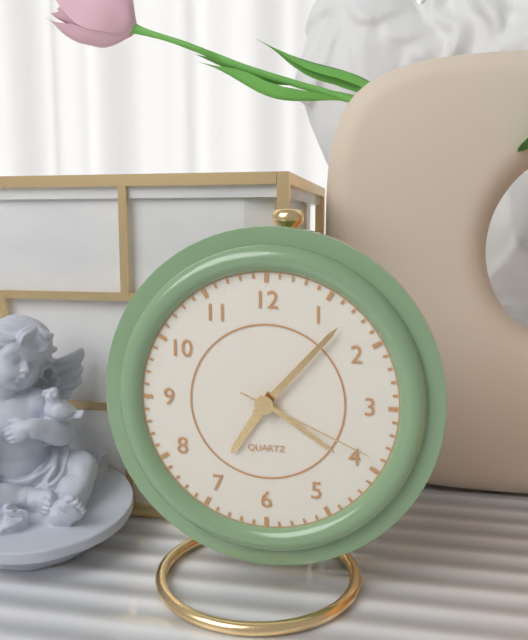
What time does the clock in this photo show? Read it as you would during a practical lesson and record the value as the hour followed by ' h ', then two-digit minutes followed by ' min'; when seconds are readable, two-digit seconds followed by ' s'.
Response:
7 h 07 min 19 s
